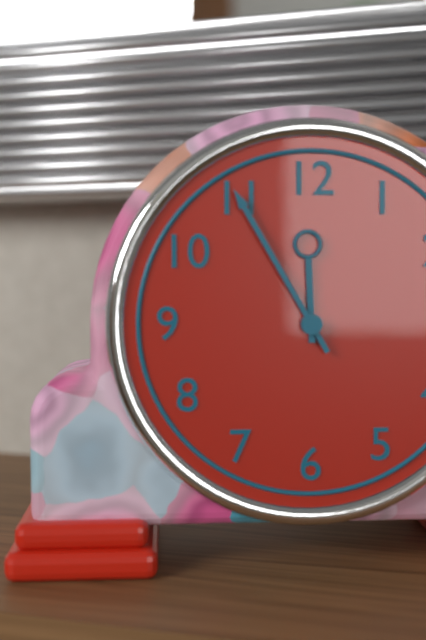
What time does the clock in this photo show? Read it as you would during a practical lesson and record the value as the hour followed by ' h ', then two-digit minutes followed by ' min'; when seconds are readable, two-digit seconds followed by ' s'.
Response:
11 h 55 min
